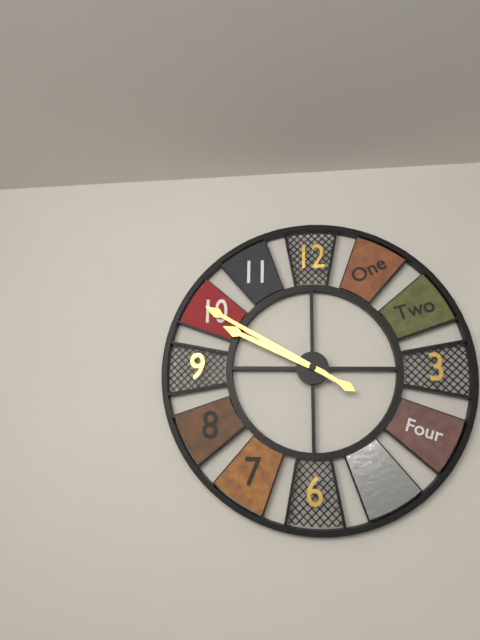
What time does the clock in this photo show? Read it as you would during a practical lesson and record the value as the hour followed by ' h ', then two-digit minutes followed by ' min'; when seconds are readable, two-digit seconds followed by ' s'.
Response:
9 h 50 min
